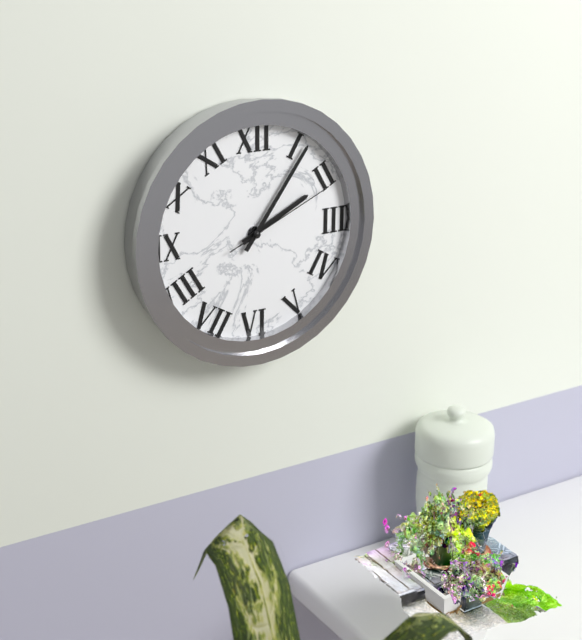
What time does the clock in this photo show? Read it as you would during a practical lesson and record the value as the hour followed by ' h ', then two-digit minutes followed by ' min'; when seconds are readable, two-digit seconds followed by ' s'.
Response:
2 h 06 min 11 s
